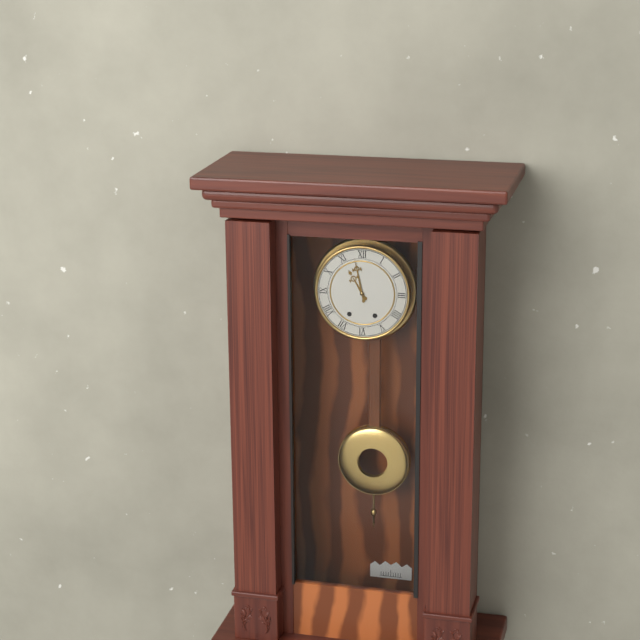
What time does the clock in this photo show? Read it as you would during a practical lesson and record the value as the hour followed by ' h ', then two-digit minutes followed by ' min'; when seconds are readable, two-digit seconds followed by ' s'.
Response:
10 h 58 min
